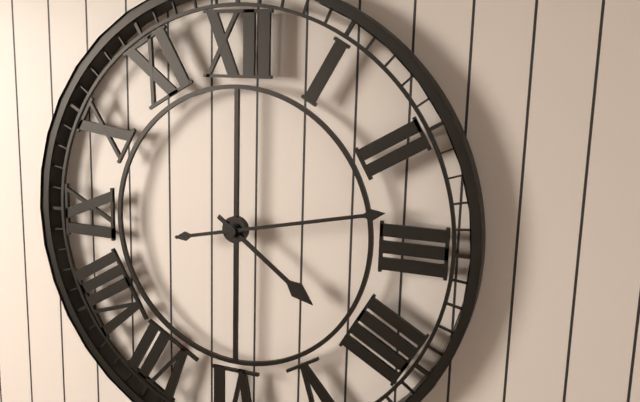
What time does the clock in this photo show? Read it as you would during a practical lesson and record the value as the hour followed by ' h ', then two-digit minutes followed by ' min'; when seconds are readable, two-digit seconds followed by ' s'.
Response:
4 h 13 min
